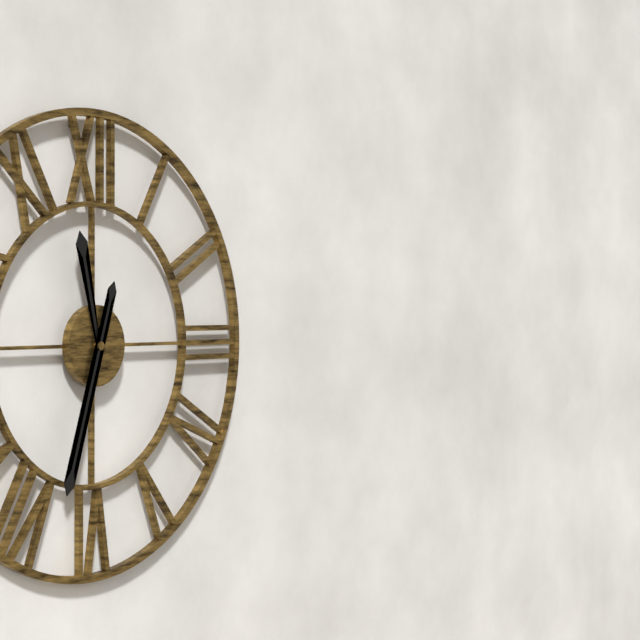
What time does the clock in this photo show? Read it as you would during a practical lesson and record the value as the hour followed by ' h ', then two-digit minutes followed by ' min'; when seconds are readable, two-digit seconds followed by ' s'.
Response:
11 h 33 min
